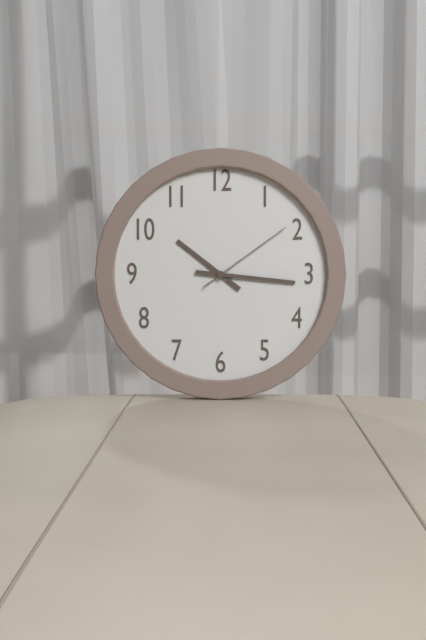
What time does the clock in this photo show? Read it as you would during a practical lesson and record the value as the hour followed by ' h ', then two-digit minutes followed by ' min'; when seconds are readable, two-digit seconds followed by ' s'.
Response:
10 h 16 min 09 s
